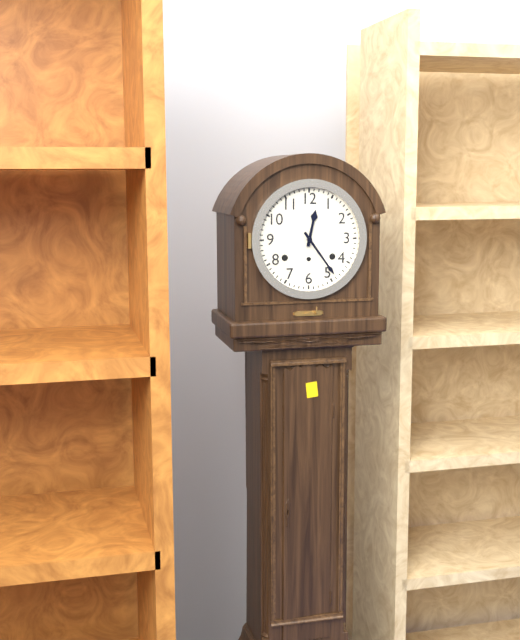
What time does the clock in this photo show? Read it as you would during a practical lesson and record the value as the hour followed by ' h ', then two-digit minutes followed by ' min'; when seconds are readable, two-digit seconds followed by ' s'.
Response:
12 h 24 min
